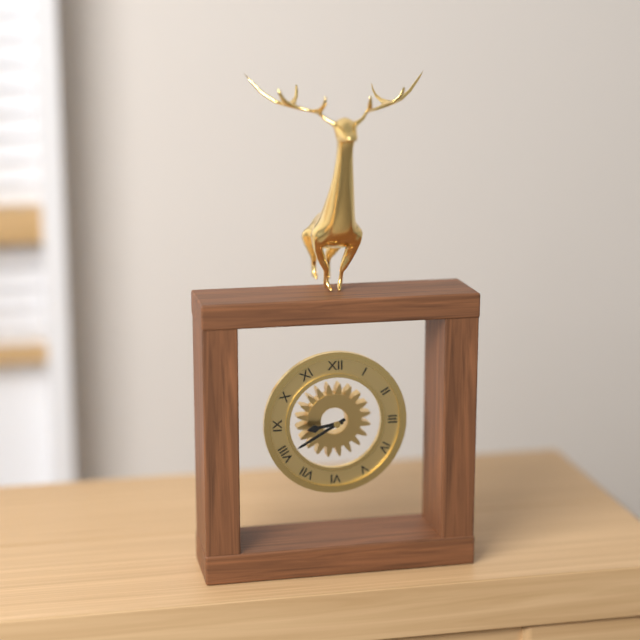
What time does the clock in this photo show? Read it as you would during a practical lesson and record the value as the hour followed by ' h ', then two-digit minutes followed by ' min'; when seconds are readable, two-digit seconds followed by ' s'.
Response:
8 h 40 min
